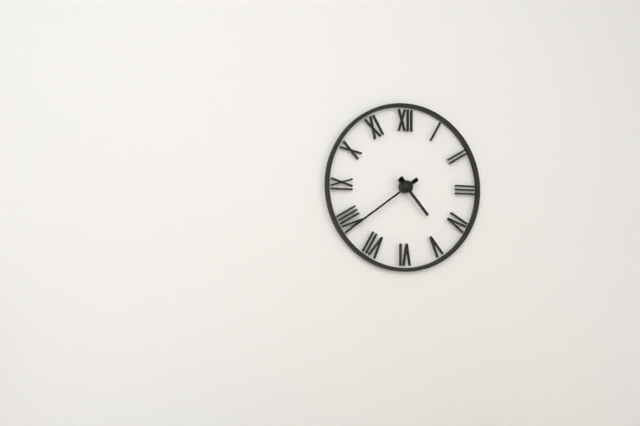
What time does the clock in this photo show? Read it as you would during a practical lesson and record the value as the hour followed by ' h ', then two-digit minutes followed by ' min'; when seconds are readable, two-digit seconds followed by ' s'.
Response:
4 h 39 min
